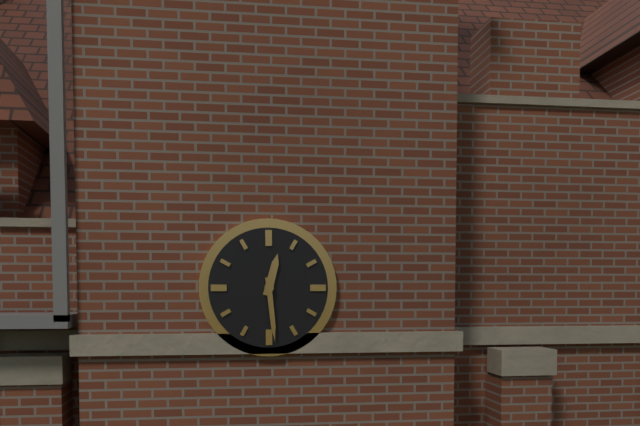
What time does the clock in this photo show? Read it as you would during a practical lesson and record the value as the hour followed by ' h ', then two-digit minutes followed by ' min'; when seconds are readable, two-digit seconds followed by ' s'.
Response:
12 h 29 min
